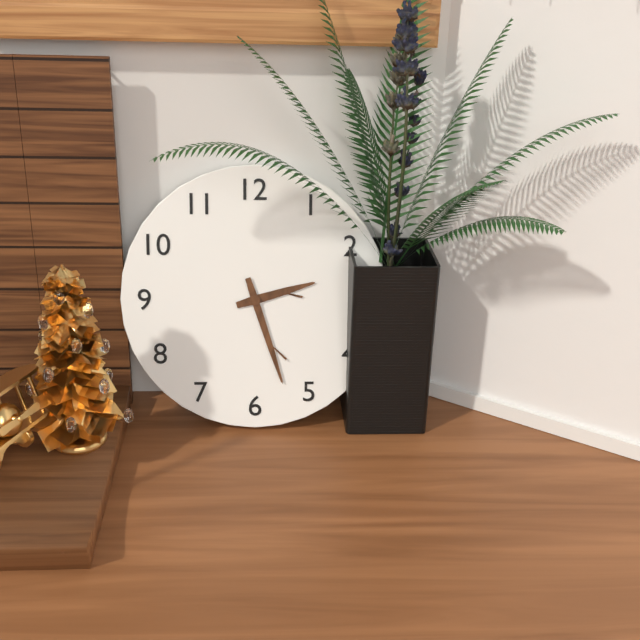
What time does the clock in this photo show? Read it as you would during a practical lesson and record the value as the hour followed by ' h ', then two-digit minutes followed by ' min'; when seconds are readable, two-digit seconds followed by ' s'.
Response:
2 h 27 min
